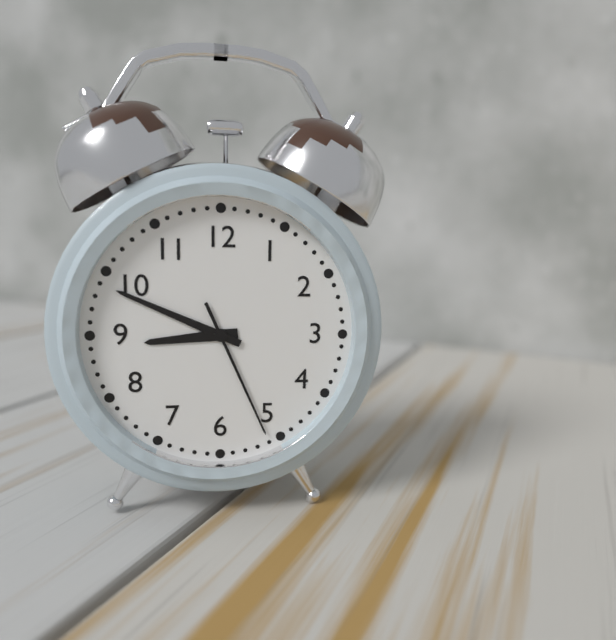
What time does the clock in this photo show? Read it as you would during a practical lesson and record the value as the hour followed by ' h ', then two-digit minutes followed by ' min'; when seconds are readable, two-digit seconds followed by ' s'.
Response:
8 h 49 min 26 s
